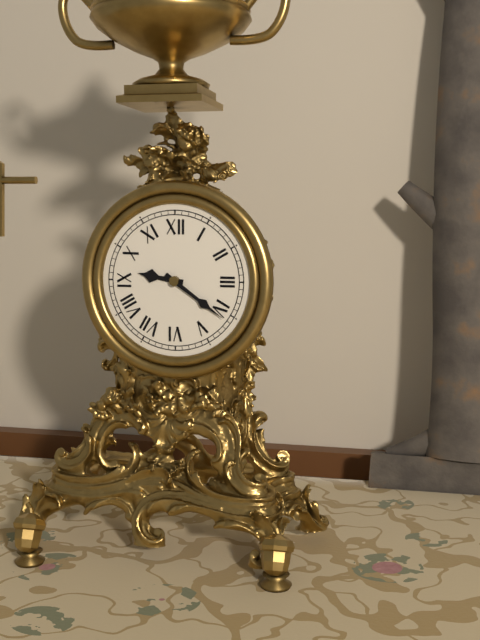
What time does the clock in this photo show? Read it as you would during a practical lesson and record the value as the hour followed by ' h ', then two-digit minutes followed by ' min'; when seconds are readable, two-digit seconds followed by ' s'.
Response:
9 h 21 min
